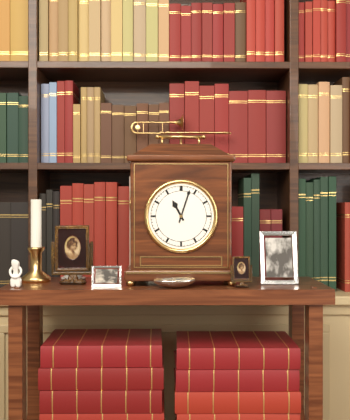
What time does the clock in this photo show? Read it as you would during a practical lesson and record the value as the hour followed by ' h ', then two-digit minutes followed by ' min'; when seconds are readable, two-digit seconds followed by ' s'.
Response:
11 h 03 min
